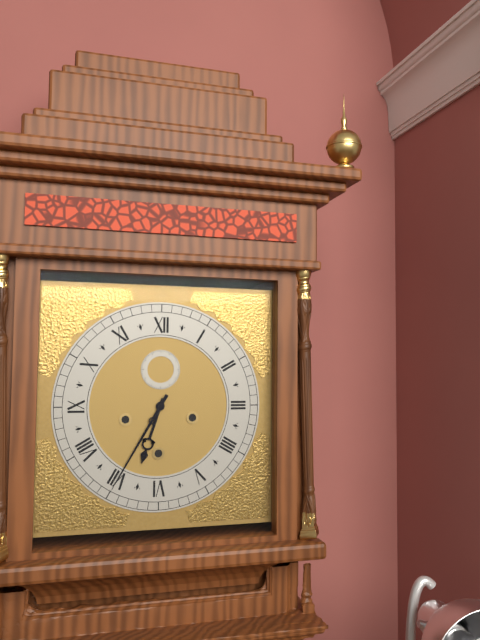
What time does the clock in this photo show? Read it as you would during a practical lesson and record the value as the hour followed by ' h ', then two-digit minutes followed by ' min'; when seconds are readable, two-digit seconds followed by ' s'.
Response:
6 h 35 min
